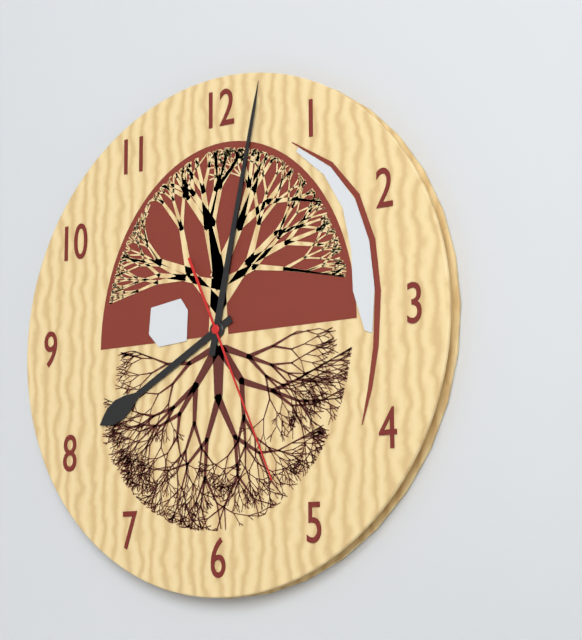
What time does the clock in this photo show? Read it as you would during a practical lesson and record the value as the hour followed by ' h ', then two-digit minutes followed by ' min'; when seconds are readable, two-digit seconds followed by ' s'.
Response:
8 h 02 min 26 s
